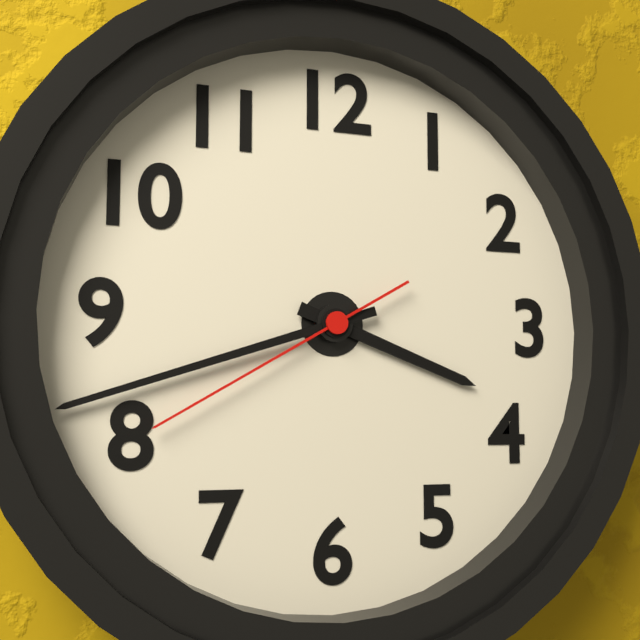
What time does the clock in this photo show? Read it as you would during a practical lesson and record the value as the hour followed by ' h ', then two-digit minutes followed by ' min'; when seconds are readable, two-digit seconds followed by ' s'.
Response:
3 h 42 min 40 s
